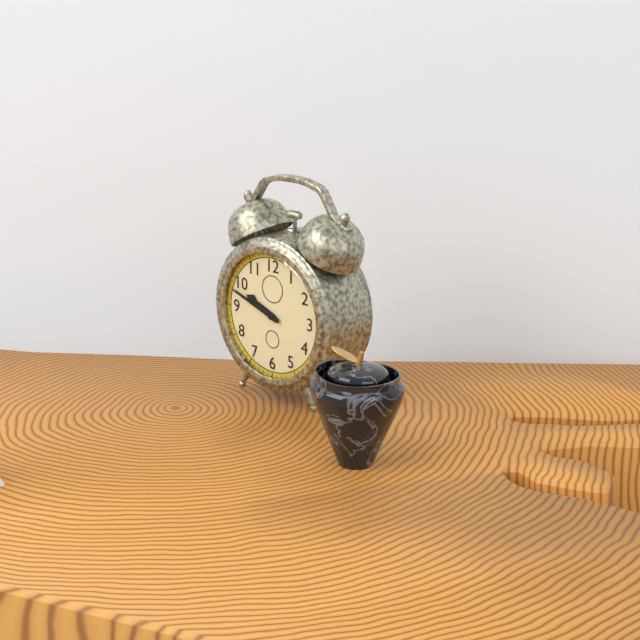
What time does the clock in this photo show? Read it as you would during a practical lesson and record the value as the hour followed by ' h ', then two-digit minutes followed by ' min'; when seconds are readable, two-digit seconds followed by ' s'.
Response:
9 h 48 min
